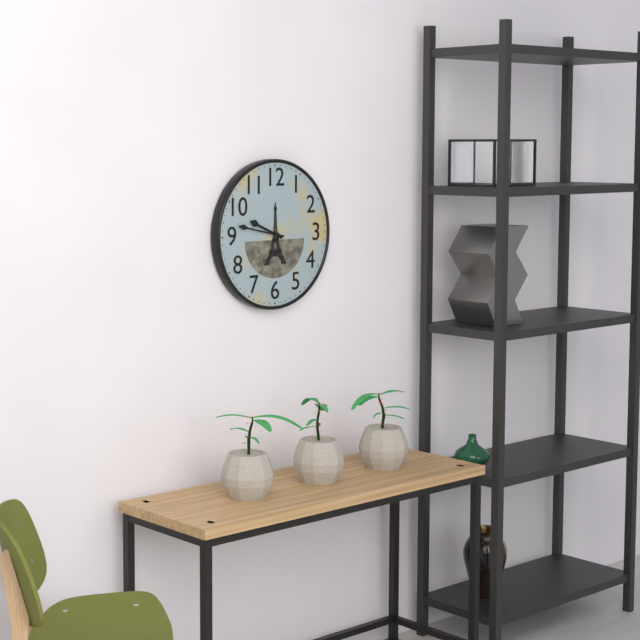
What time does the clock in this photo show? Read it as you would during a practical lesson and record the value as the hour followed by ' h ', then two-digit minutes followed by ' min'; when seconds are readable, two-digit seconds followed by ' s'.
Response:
9 h 47 min
